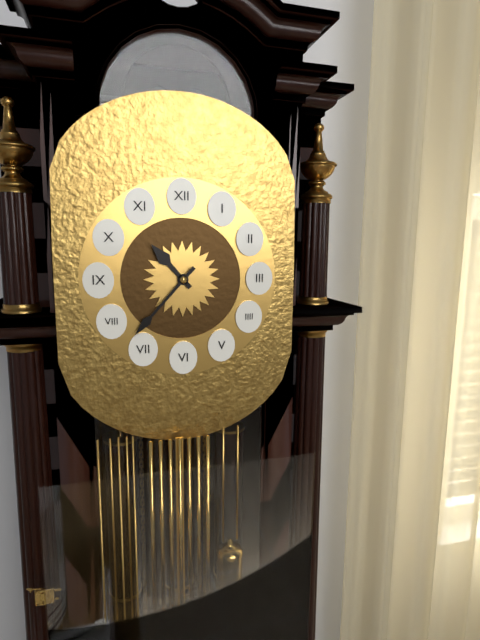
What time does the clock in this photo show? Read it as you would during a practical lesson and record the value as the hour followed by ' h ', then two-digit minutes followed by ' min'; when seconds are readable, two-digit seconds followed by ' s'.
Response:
10 h 37 min
